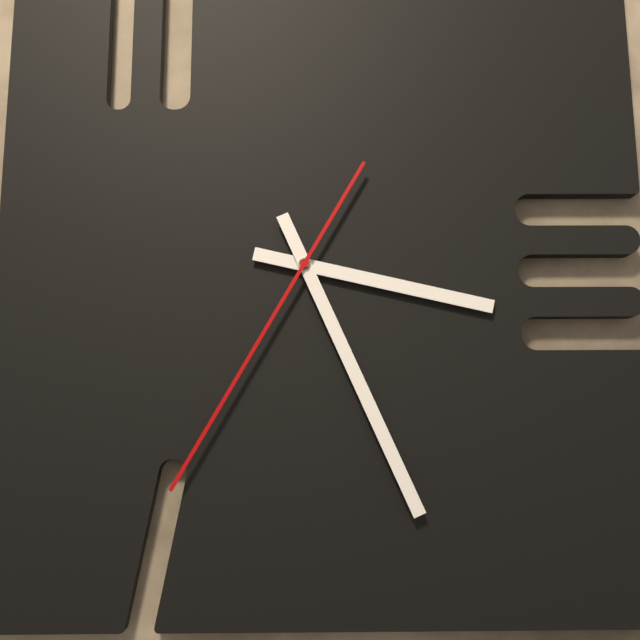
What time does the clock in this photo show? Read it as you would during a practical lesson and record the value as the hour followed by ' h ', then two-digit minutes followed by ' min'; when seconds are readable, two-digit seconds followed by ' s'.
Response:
3 h 26 min 35 s
